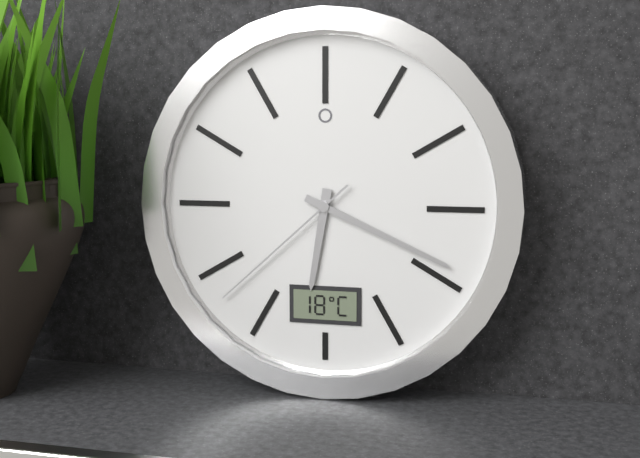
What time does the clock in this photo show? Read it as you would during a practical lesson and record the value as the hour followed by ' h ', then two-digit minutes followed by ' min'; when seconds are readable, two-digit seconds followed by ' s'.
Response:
6 h 19 min 38 s
